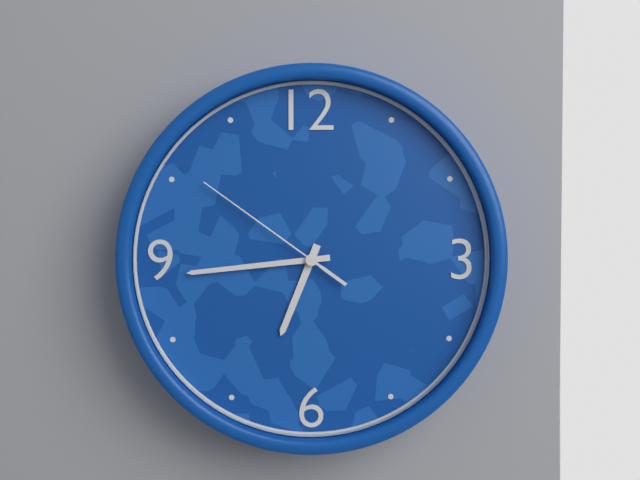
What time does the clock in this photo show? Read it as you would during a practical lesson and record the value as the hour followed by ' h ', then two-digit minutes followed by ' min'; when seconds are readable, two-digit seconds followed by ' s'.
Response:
6 h 44 min 51 s
